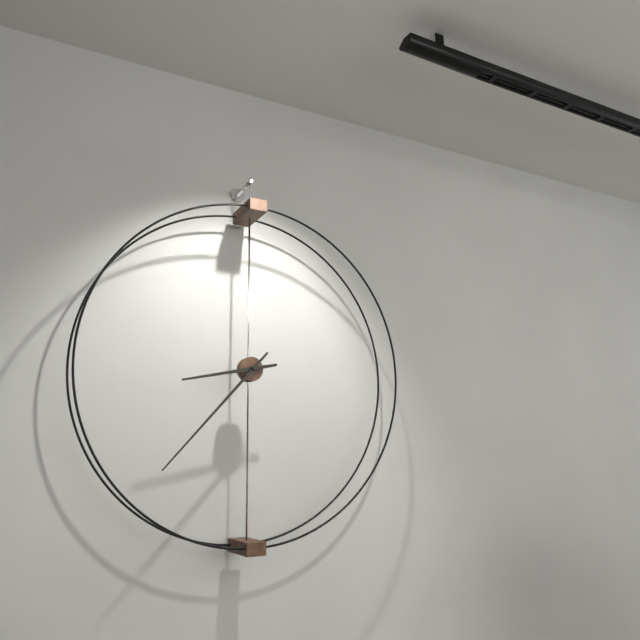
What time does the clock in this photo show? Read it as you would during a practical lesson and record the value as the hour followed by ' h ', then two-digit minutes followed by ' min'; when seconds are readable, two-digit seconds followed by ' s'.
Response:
8 h 37 min
